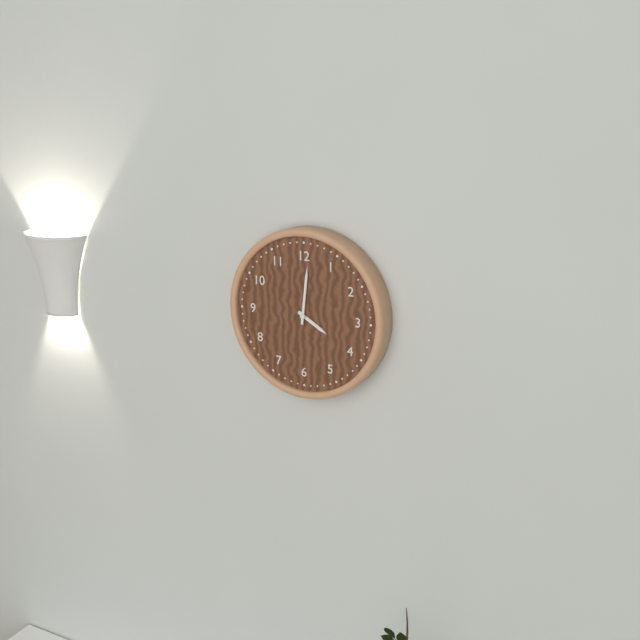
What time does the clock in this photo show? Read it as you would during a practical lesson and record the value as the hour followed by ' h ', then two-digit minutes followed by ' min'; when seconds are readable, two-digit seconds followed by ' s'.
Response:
4 h 01 min
